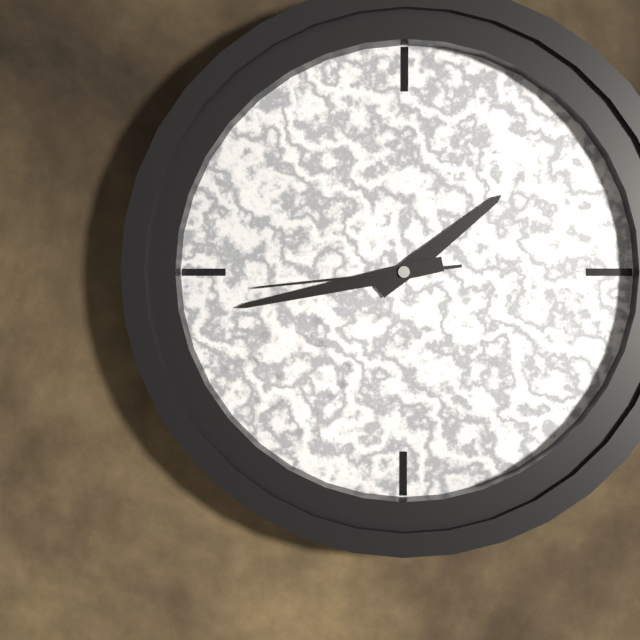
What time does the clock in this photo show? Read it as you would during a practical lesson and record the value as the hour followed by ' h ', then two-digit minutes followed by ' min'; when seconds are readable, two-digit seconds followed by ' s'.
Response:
1 h 43 min 44 s
